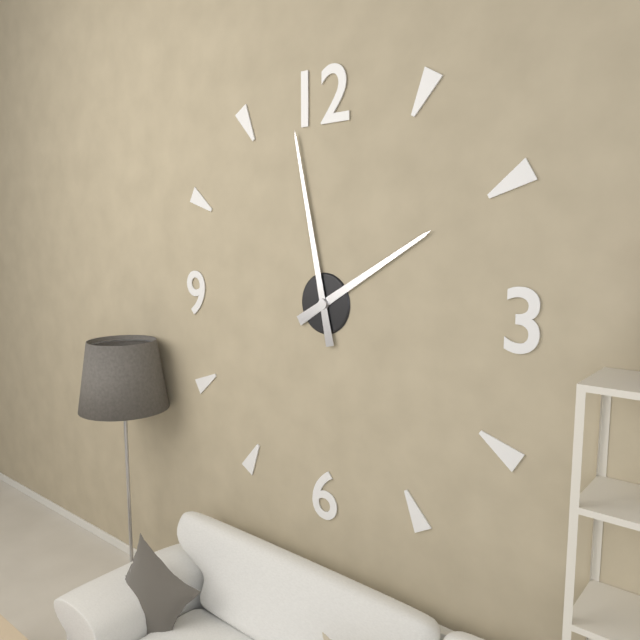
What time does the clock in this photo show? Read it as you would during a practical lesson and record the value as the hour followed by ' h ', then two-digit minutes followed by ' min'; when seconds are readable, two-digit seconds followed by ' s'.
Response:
1 h 58 min
